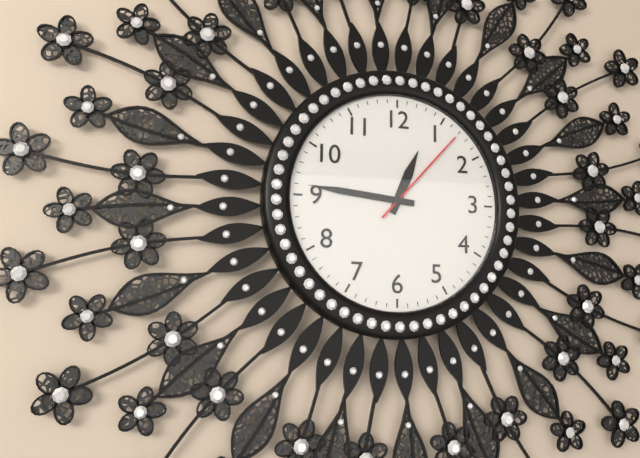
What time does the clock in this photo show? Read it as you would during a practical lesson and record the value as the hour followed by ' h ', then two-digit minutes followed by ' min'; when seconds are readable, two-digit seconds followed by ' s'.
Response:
12 h 46 min 07 s
